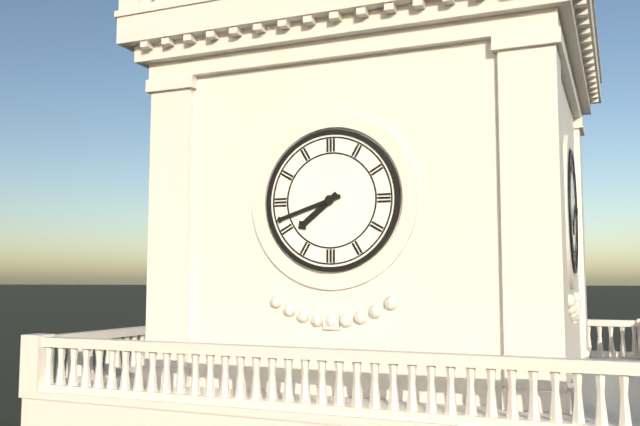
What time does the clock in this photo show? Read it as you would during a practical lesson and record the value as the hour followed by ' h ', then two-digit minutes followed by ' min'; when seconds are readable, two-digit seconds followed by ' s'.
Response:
7 h 42 min
